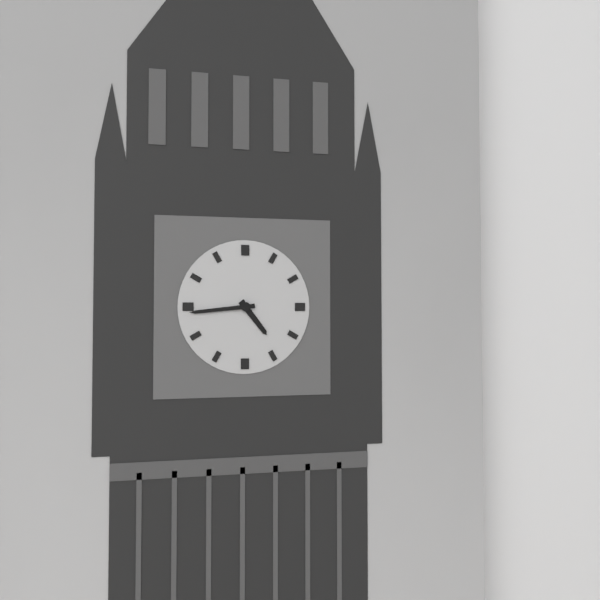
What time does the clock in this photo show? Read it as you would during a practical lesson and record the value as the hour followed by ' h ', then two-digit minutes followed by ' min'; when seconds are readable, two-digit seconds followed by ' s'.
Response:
4 h 44 min
